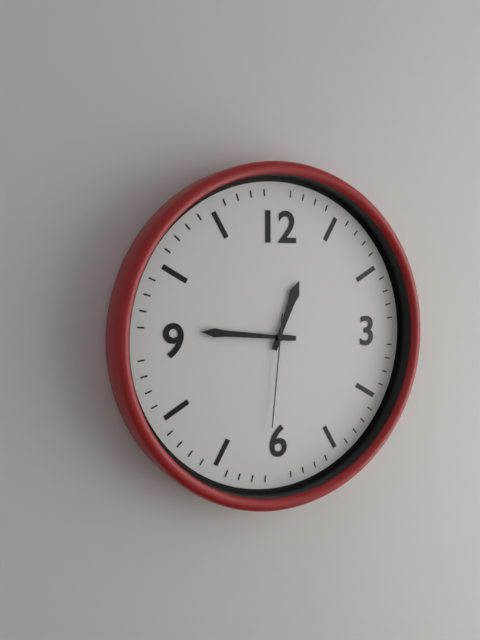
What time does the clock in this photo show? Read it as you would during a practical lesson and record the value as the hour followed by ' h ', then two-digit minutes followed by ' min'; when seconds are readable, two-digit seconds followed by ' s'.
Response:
12 h 46 min 31 s
